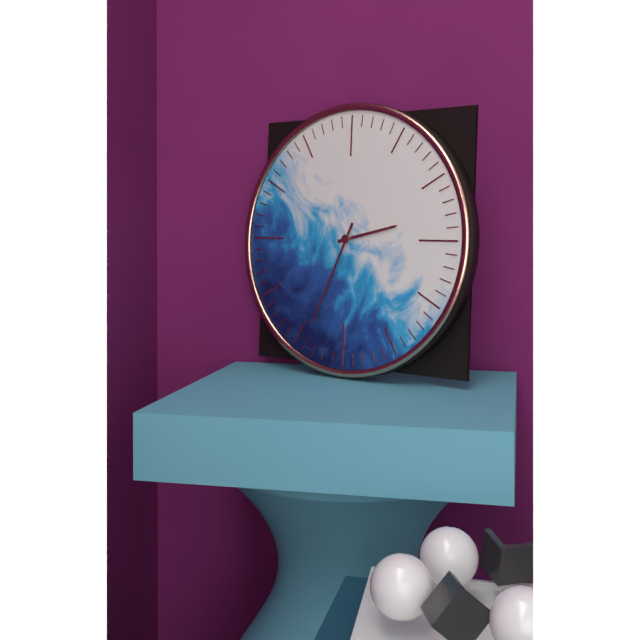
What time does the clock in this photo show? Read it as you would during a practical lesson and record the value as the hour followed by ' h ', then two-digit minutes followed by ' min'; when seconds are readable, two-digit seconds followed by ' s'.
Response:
2 h 34 min
